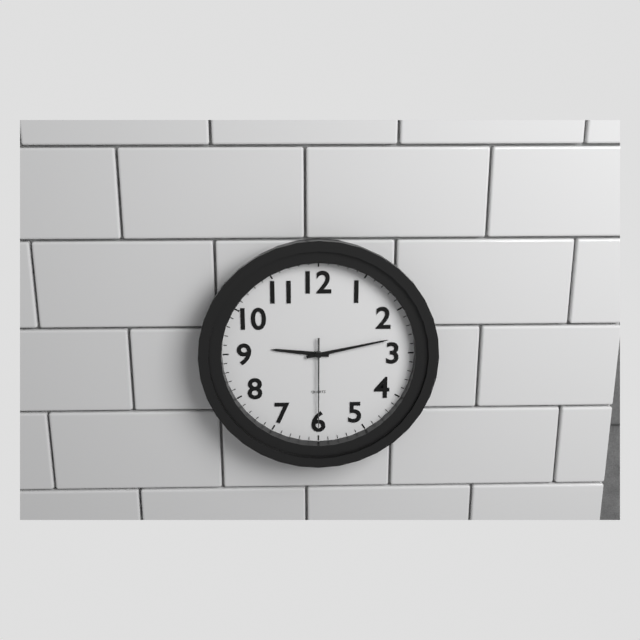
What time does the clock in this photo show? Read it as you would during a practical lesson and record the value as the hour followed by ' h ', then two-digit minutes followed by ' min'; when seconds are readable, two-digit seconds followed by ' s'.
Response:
9 h 13 min 30 s
